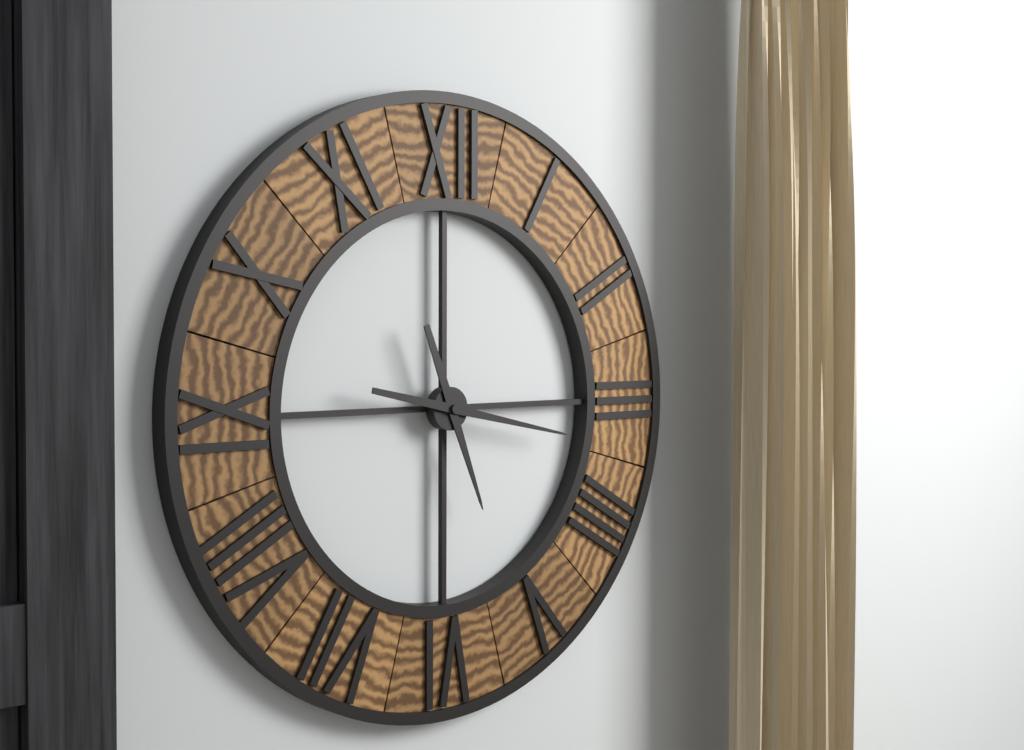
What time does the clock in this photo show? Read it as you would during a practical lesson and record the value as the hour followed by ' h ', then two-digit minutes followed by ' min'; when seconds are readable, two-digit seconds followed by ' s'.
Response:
5 h 17 min
